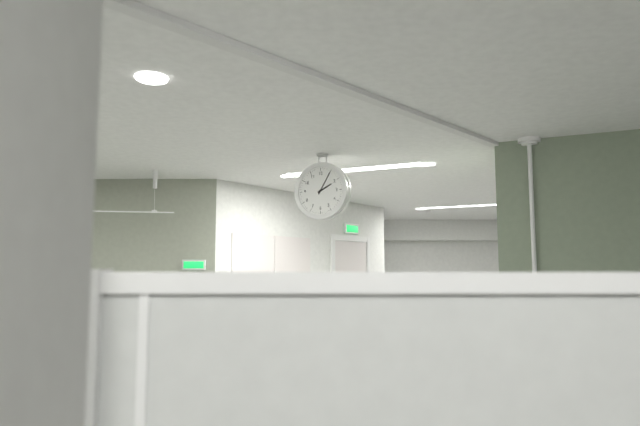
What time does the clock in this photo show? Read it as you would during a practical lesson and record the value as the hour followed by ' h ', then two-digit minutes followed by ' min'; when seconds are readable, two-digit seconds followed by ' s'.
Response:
2 h 05 min
